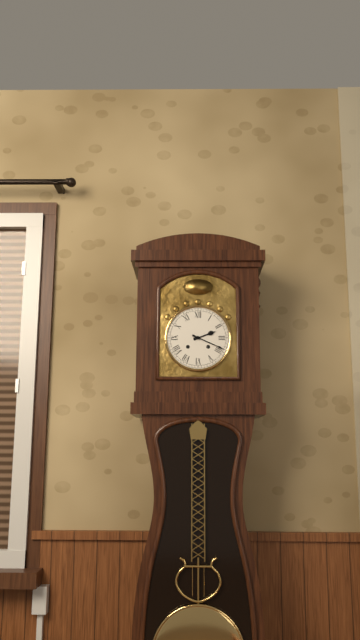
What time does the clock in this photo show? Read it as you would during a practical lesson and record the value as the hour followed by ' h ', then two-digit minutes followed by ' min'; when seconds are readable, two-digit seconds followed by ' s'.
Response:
2 h 19 min
